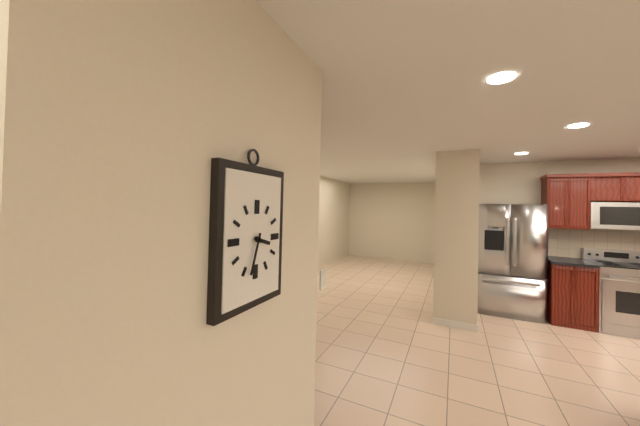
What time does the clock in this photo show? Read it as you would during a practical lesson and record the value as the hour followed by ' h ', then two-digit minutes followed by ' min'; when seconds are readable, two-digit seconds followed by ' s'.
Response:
3 h 33 min
